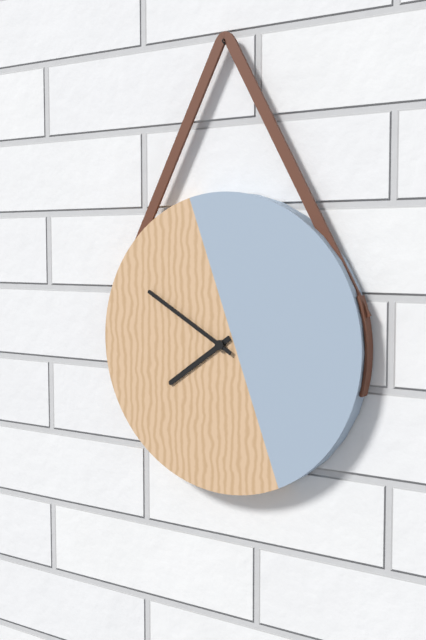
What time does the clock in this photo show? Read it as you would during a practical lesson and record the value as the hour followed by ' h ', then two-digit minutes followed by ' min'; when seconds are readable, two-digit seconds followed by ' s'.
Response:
7 h 50 min
